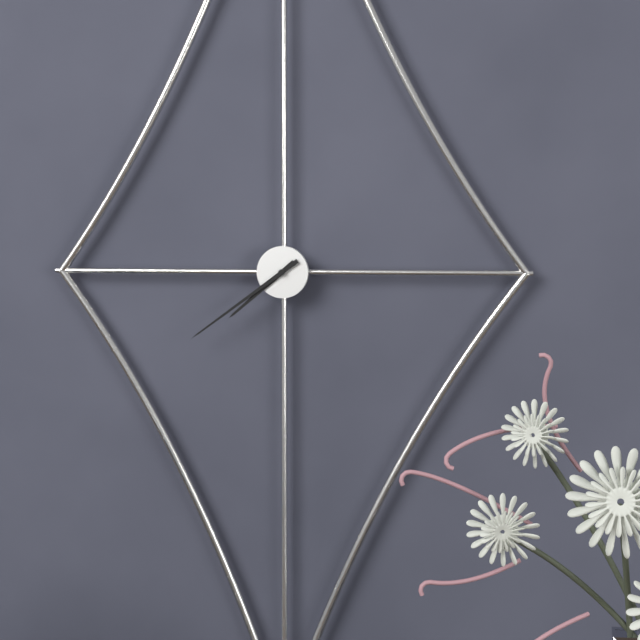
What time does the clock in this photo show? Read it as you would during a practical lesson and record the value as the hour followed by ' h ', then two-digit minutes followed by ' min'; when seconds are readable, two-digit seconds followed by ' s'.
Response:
7 h 39 min
